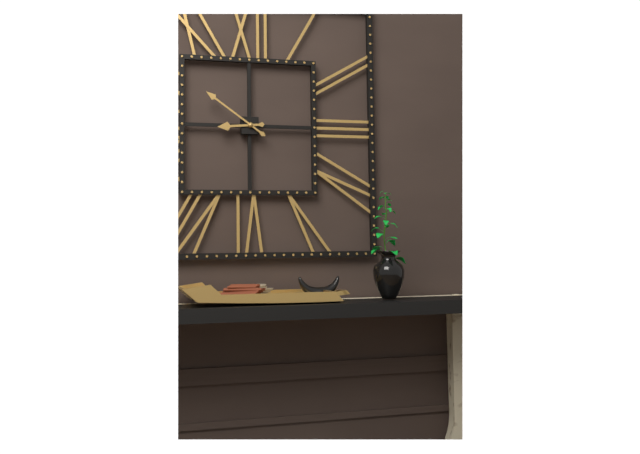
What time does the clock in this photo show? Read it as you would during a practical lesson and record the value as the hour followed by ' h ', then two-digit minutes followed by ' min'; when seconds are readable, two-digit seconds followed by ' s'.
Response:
8 h 51 min
